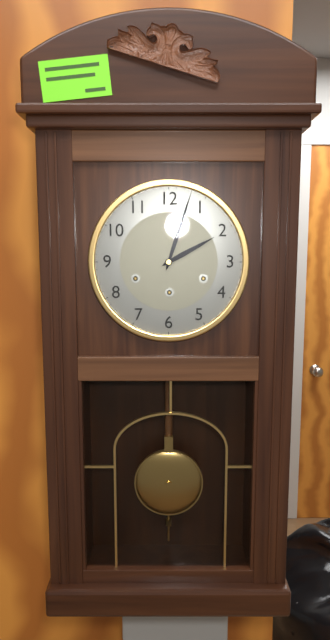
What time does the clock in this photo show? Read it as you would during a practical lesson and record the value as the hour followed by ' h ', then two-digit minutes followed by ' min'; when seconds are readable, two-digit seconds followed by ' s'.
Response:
2 h 03 min
